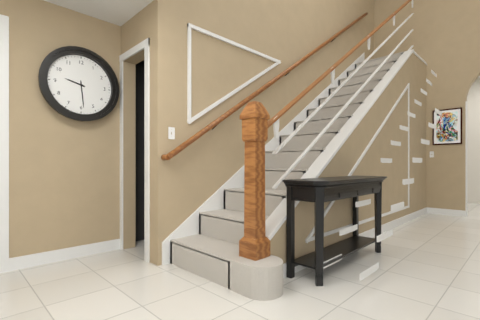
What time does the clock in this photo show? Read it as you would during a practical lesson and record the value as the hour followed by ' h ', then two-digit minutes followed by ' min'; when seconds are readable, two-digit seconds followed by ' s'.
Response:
9 h 29 min
